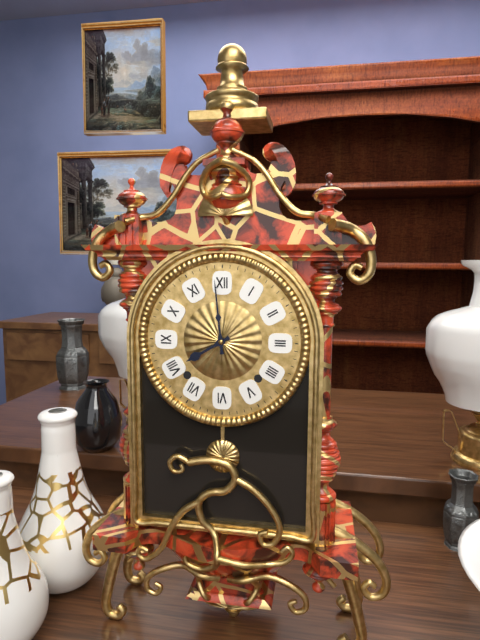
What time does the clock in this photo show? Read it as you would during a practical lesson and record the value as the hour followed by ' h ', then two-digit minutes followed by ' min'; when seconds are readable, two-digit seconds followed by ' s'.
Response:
7 h 59 min
